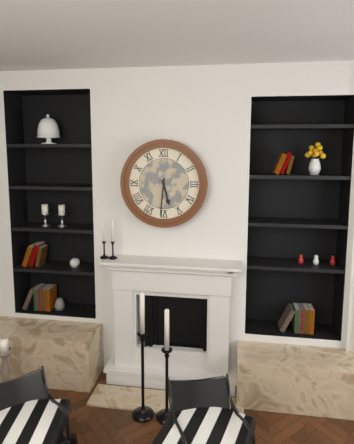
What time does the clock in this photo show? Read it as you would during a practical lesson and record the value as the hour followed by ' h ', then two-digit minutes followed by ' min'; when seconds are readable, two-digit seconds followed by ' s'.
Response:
5 h 31 min
